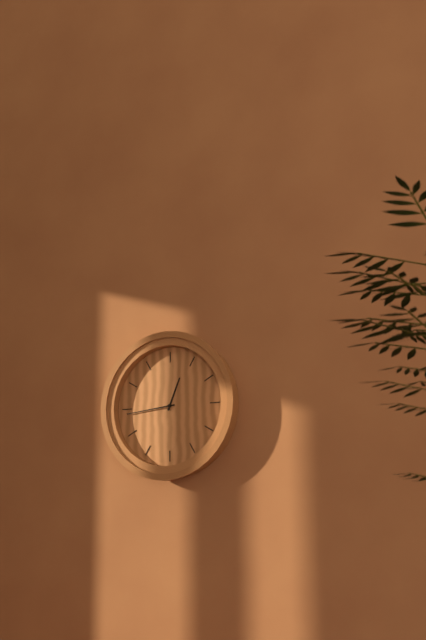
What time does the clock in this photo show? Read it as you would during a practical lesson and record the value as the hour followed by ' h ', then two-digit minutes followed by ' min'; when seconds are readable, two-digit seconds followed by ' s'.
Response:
12 h 44 min
